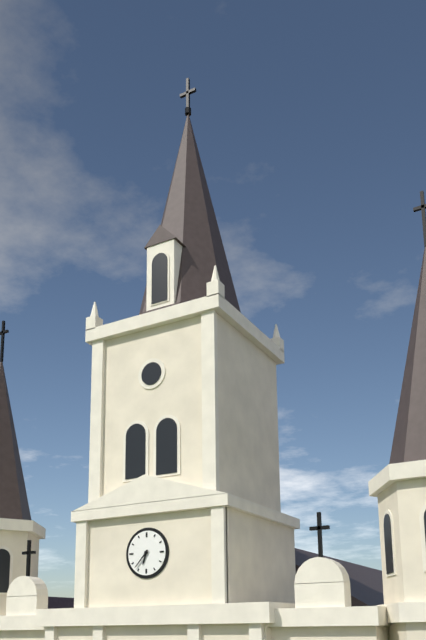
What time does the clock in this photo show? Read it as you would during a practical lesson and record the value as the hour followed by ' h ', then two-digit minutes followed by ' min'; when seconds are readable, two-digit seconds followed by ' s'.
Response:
6 h 37 min
